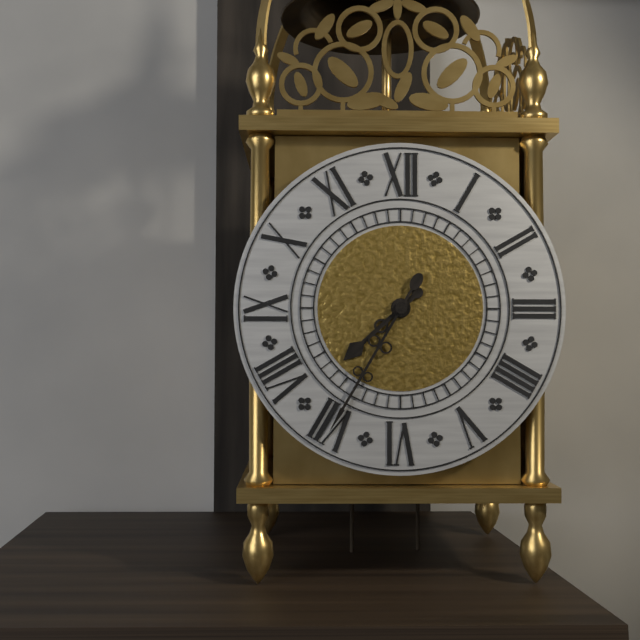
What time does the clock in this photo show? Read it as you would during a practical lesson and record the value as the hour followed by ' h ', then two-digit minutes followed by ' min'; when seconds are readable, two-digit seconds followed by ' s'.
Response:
7 h 35 min
